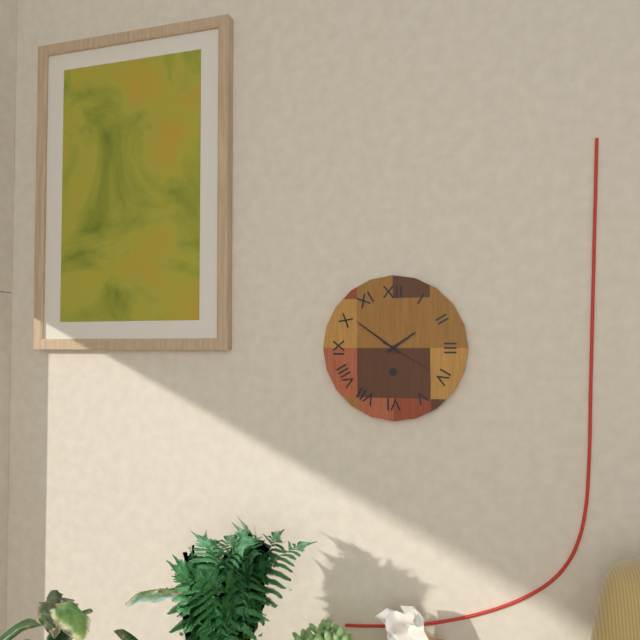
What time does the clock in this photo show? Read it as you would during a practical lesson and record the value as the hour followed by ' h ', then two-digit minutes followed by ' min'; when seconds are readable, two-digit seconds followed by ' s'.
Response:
1 h 51 min 20 s
